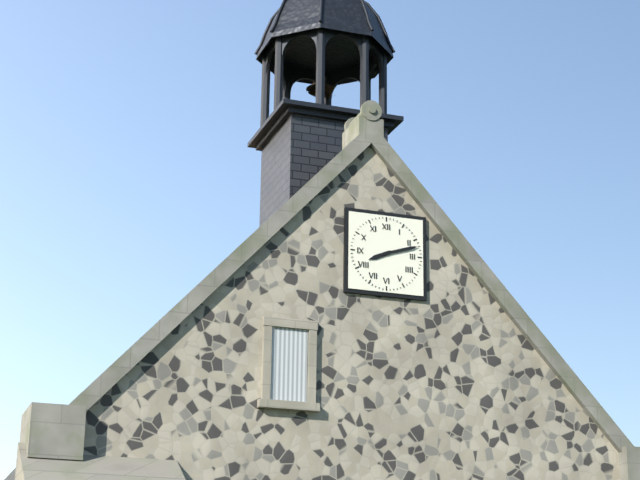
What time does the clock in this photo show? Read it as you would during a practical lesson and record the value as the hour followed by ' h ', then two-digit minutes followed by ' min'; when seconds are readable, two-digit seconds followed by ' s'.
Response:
8 h 12 min
